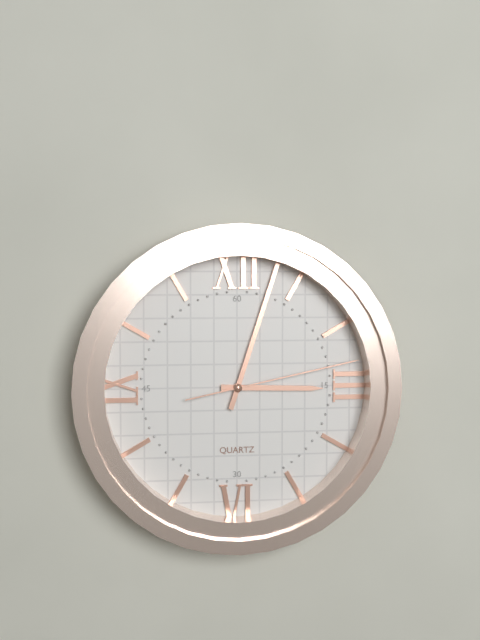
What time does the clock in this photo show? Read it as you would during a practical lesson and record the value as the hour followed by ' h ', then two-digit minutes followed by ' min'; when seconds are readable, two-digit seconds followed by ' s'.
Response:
3 h 03 min 13 s
